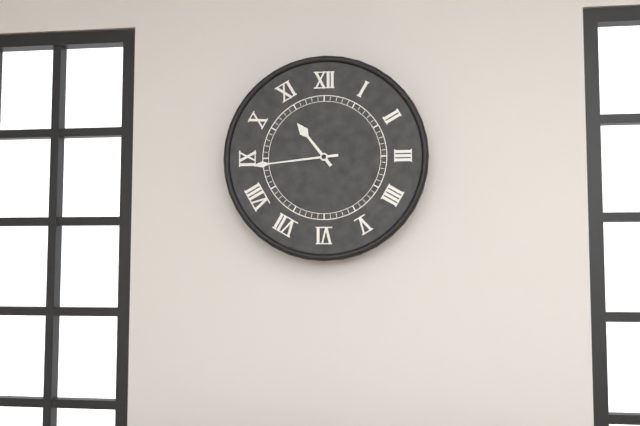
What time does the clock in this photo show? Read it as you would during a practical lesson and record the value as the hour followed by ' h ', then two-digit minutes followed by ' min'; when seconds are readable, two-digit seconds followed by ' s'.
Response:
10 h 44 min
